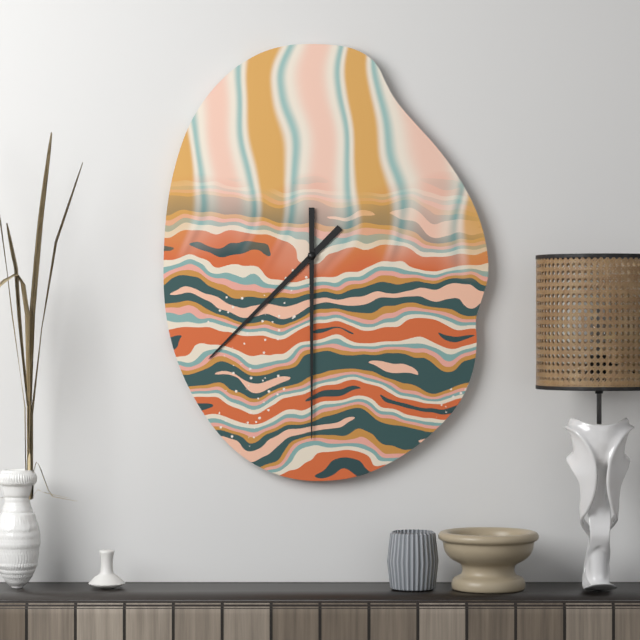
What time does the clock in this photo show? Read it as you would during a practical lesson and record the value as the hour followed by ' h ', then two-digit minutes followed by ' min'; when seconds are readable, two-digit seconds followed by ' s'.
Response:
7 h 30 min
